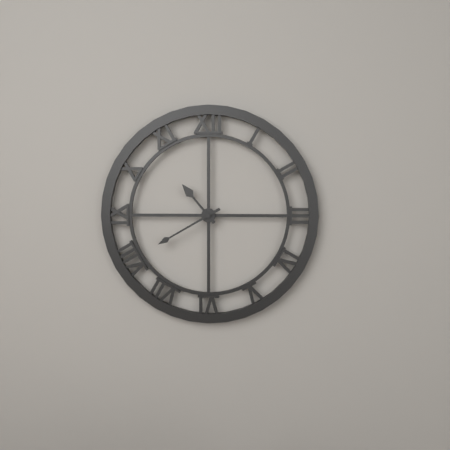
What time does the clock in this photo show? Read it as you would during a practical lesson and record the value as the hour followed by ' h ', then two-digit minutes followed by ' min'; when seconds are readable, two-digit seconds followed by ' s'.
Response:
10 h 40 min
